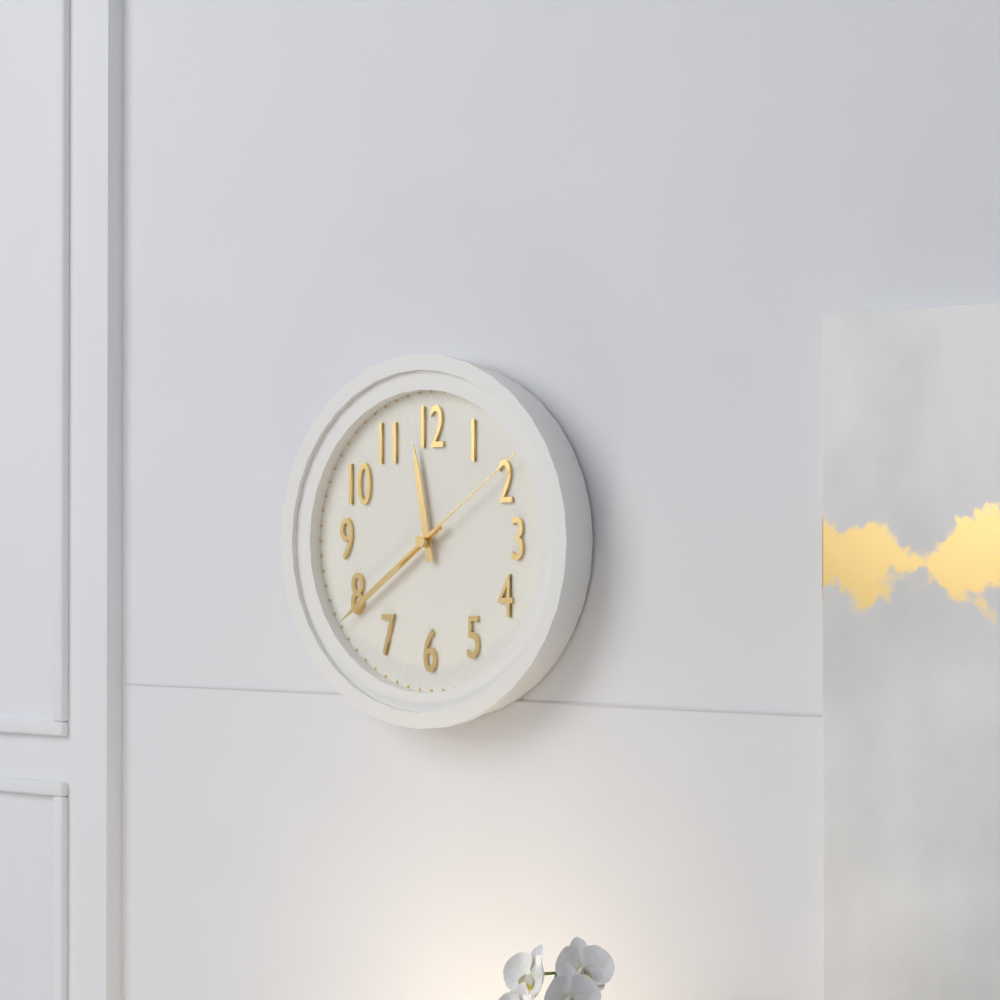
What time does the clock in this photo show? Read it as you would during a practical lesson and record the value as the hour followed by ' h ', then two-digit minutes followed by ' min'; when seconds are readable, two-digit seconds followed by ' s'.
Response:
11 h 39 min 09 s
